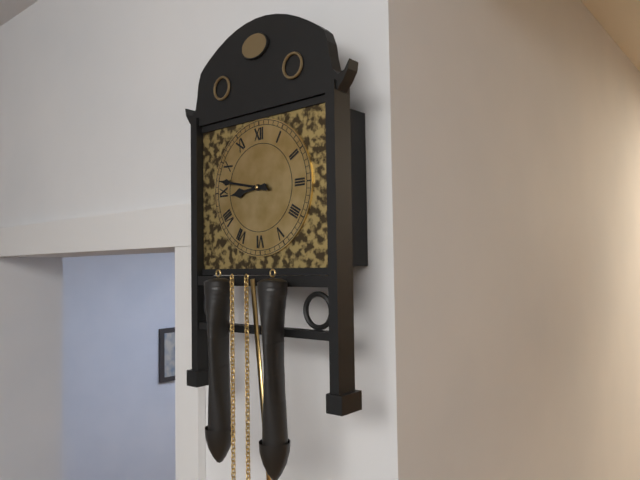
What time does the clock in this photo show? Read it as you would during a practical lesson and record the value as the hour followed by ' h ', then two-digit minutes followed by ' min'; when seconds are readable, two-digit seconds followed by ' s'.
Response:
8 h 47 min
